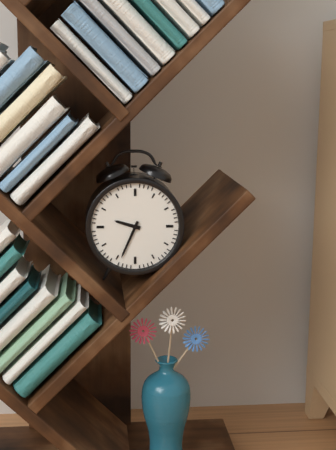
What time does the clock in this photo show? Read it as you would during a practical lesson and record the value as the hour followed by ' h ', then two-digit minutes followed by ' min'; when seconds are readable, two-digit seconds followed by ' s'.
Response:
9 h 34 min
